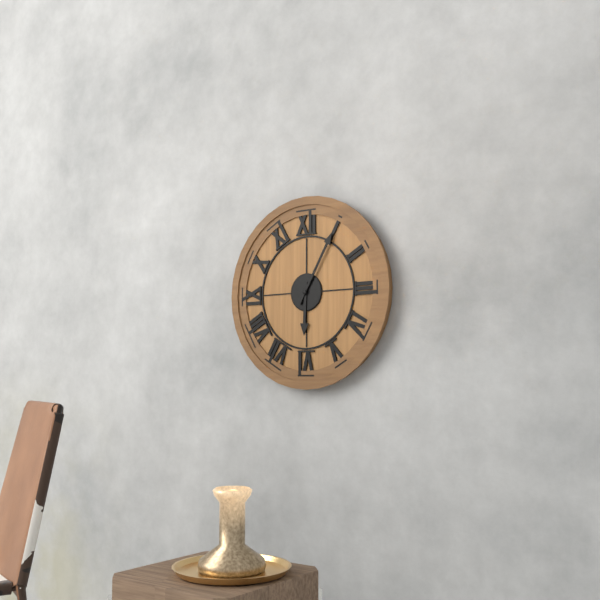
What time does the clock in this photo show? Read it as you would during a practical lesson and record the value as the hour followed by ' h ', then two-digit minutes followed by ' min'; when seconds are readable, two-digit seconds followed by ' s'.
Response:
6 h 05 min
